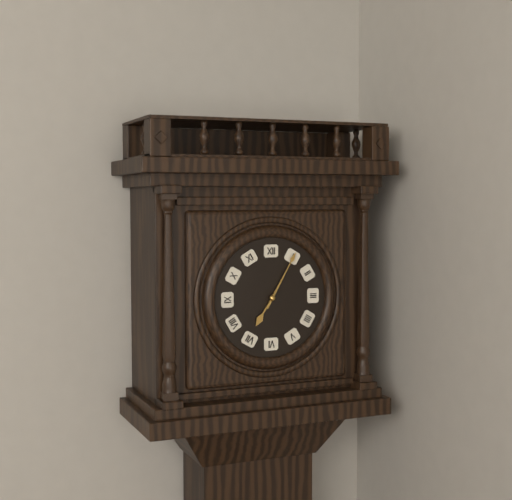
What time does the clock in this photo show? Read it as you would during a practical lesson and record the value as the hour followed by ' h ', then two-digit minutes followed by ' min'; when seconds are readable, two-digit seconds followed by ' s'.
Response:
7 h 05 min
